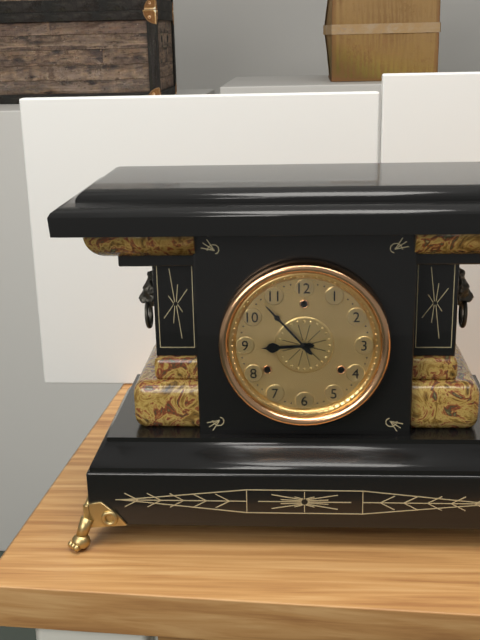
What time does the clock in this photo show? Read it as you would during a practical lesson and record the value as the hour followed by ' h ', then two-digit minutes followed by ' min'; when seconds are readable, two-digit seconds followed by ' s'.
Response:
8 h 53 min
